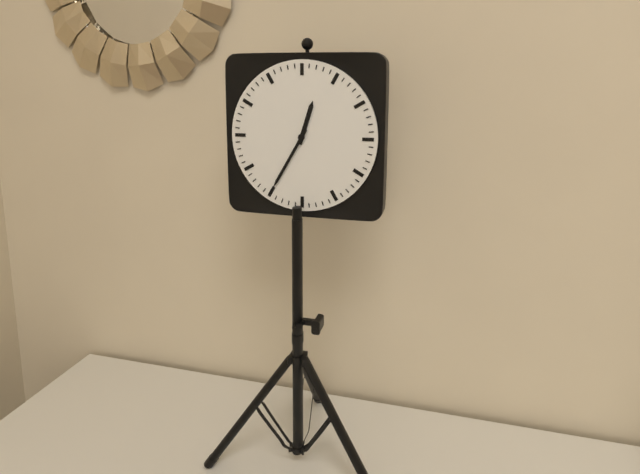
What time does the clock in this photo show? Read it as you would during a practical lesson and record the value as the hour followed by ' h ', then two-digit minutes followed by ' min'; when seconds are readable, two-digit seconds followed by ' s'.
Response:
12 h 35 min
